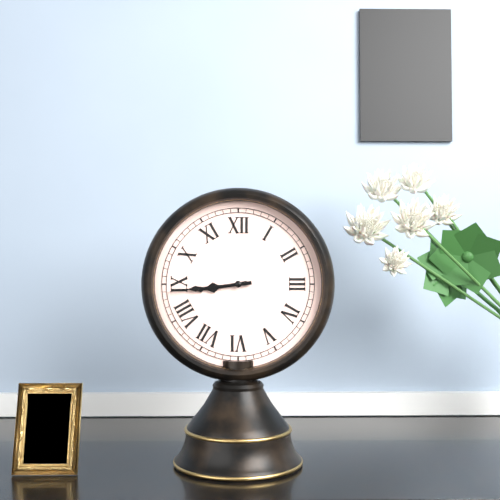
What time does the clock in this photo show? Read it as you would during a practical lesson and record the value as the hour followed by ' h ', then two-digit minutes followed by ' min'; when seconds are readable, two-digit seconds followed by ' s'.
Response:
8 h 44 min
